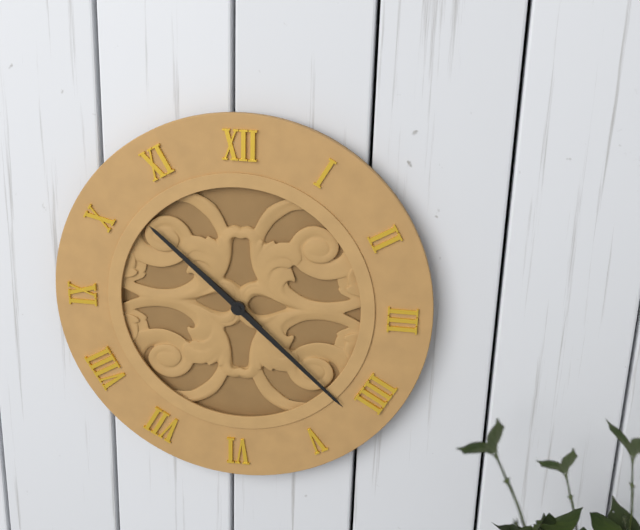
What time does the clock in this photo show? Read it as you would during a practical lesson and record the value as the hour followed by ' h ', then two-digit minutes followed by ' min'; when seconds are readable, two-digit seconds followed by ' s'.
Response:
10 h 22 min
